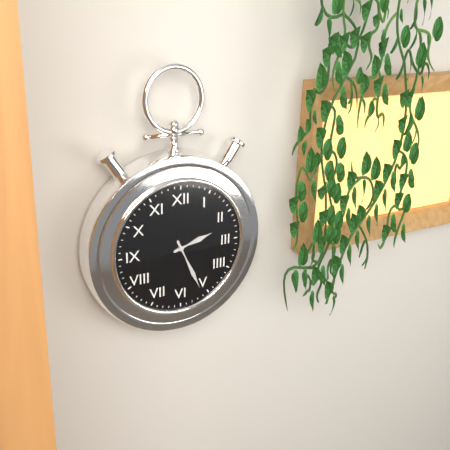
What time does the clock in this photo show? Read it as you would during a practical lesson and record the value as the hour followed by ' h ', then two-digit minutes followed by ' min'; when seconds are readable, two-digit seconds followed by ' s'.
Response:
2 h 26 min
